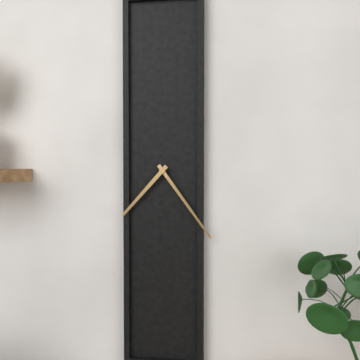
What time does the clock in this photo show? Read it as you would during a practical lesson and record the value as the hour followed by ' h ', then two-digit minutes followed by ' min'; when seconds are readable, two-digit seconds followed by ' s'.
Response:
7 h 24 min
